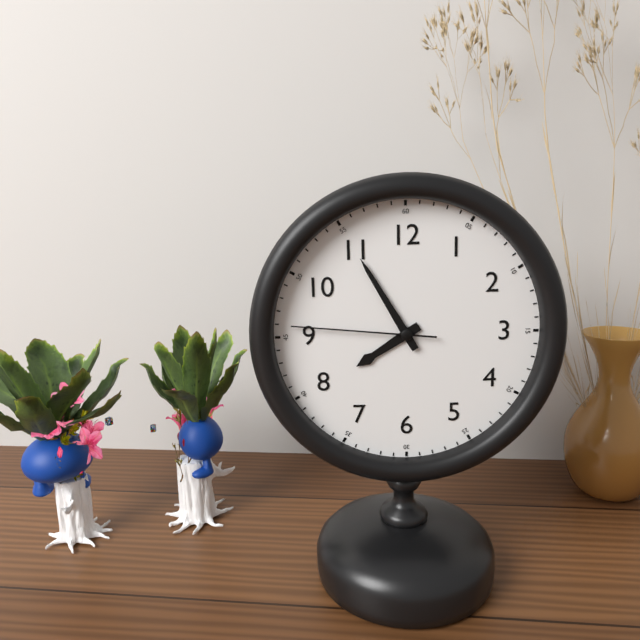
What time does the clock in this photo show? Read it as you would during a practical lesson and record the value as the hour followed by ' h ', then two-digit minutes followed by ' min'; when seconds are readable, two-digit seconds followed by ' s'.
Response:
7 h 55 min 46 s
